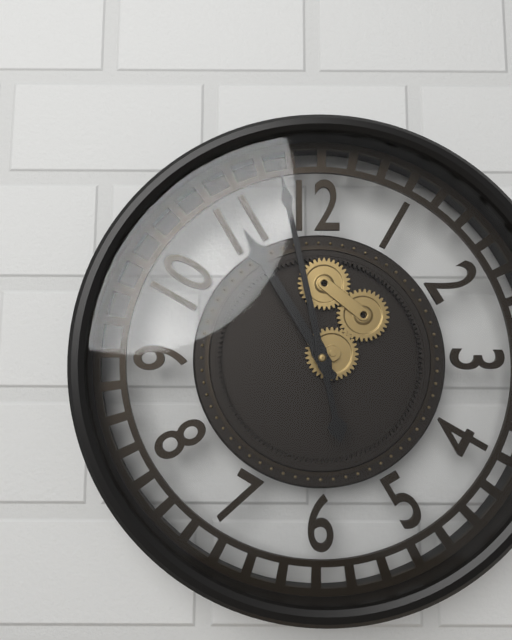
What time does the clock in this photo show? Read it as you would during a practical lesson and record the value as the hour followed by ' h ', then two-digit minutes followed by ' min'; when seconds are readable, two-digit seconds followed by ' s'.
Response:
10 h 58 min
